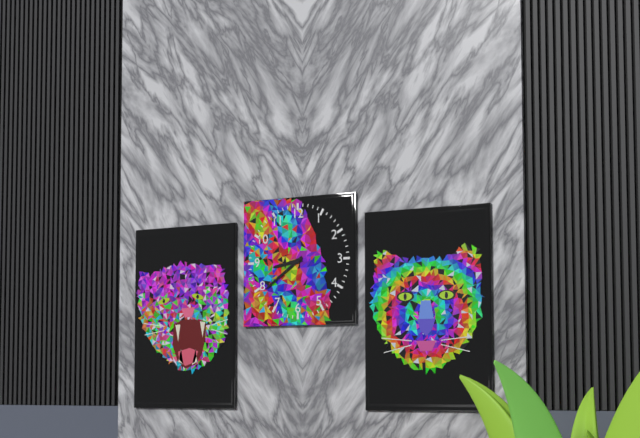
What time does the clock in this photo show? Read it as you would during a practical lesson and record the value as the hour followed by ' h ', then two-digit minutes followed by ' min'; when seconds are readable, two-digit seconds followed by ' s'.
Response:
8 h 39 min
